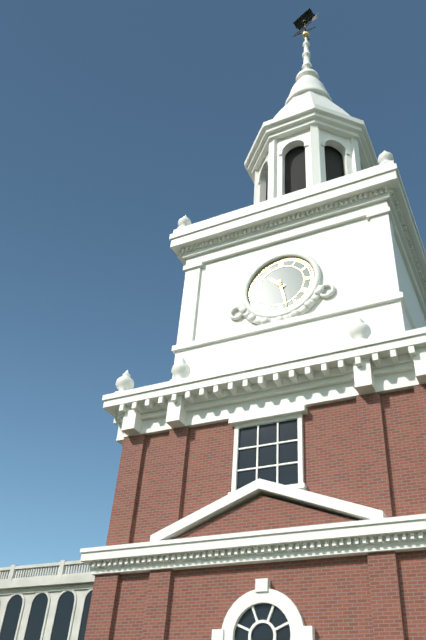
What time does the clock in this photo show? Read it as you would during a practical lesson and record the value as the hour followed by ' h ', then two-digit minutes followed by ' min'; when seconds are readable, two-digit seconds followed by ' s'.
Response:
10 h 28 min
